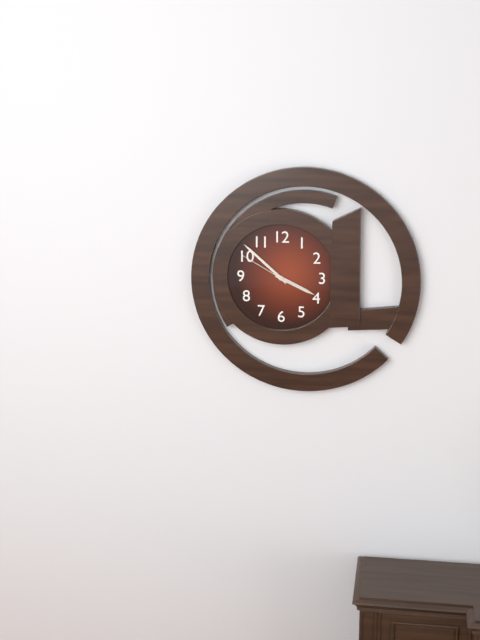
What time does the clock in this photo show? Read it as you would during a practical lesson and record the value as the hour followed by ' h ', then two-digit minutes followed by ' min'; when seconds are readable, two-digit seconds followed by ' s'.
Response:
3 h 52 min 50 s
